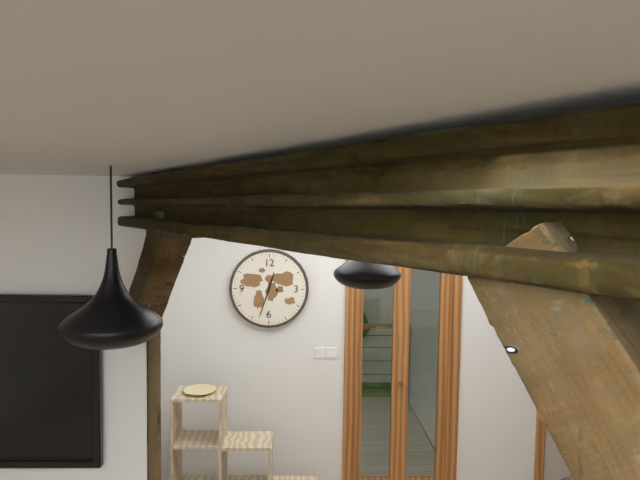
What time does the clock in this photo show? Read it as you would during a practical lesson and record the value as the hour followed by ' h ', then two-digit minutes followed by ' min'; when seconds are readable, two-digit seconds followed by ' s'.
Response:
12 h 33 min
